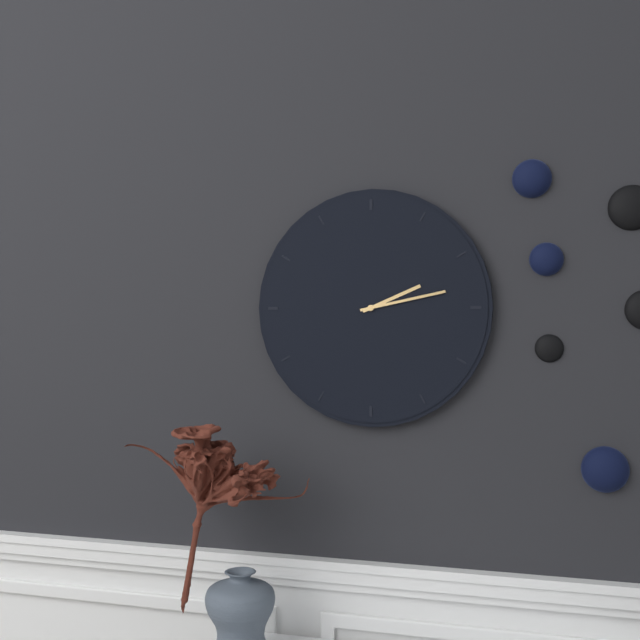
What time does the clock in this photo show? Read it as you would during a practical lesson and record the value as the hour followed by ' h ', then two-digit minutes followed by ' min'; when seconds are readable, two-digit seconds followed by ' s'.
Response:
2 h 13 min
